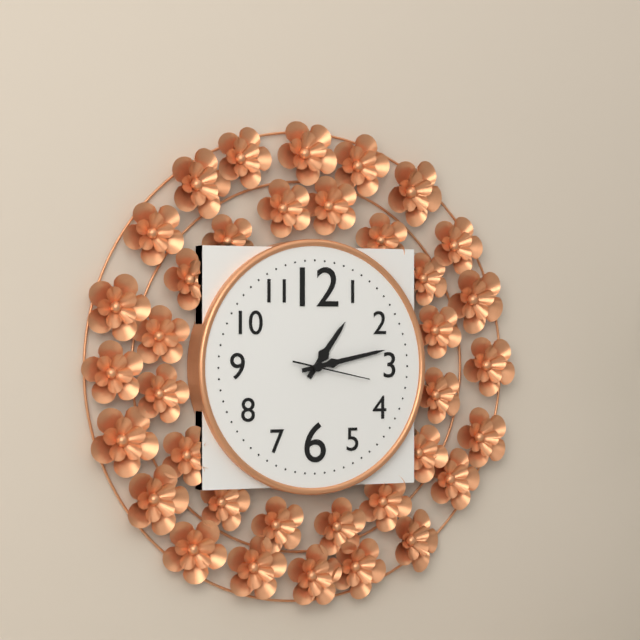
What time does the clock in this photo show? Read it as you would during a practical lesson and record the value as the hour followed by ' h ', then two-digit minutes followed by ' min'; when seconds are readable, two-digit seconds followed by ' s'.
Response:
1 h 13 min 17 s
